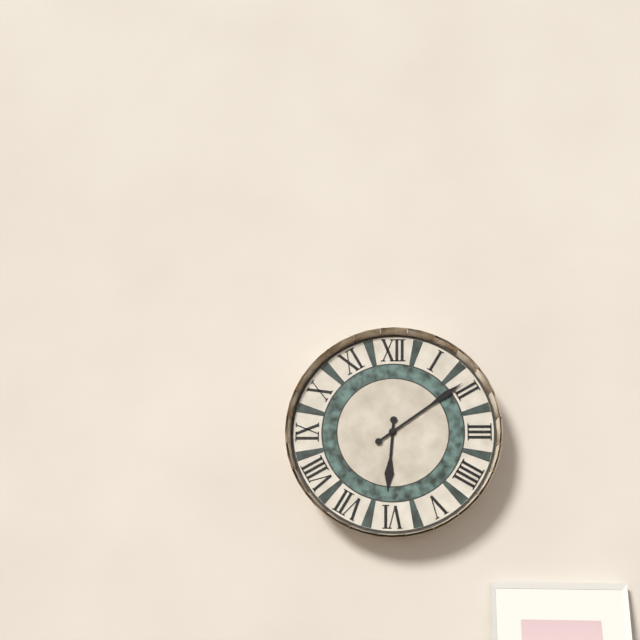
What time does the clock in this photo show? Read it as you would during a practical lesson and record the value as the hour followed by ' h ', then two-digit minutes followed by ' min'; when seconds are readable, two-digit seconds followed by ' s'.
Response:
6 h 09 min
